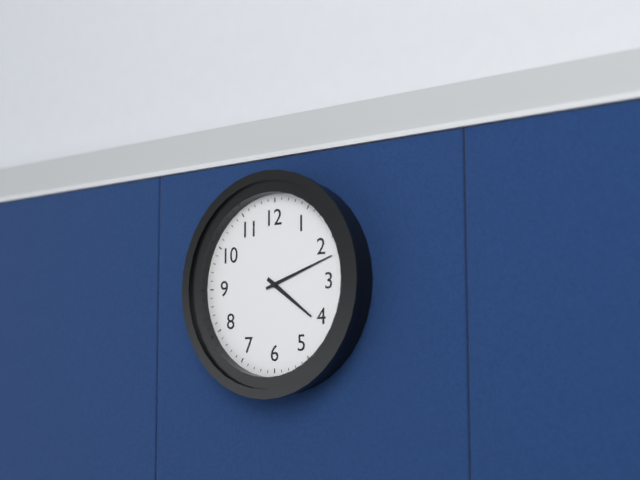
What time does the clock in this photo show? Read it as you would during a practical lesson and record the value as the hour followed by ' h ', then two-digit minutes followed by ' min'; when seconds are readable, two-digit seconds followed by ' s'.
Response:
4 h 12 min
